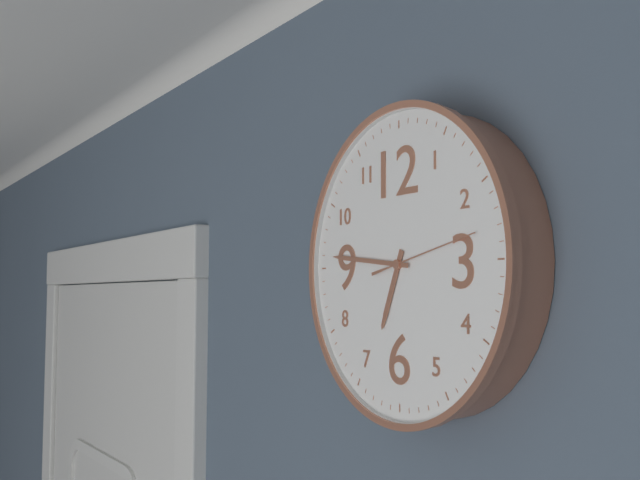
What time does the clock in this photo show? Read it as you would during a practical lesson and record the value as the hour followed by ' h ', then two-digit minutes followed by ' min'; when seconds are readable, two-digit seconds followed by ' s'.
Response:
6 h 46 min 13 s
